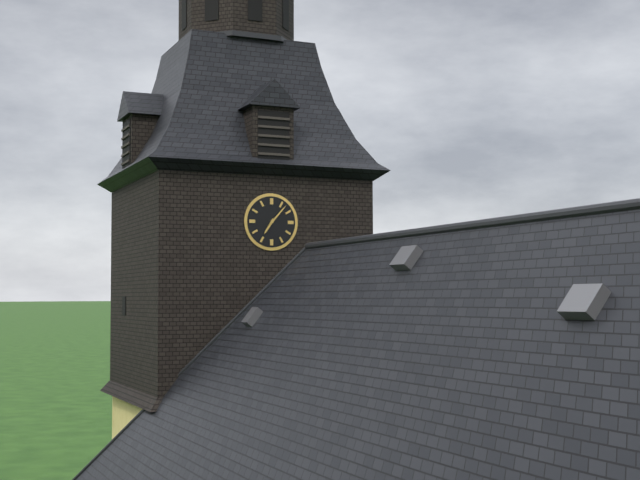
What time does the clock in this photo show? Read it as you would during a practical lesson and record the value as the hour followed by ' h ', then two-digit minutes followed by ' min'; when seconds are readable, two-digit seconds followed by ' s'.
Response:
7 h 07 min
